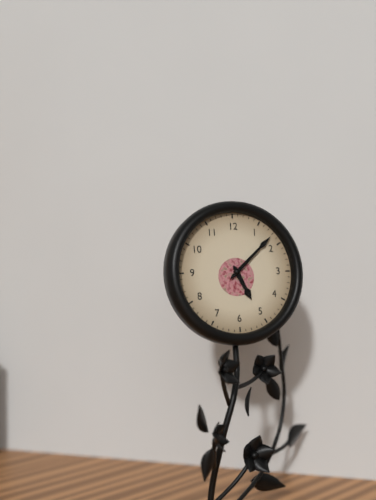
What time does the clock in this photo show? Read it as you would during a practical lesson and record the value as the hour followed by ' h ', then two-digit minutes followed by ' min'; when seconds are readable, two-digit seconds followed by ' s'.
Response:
5 h 08 min
